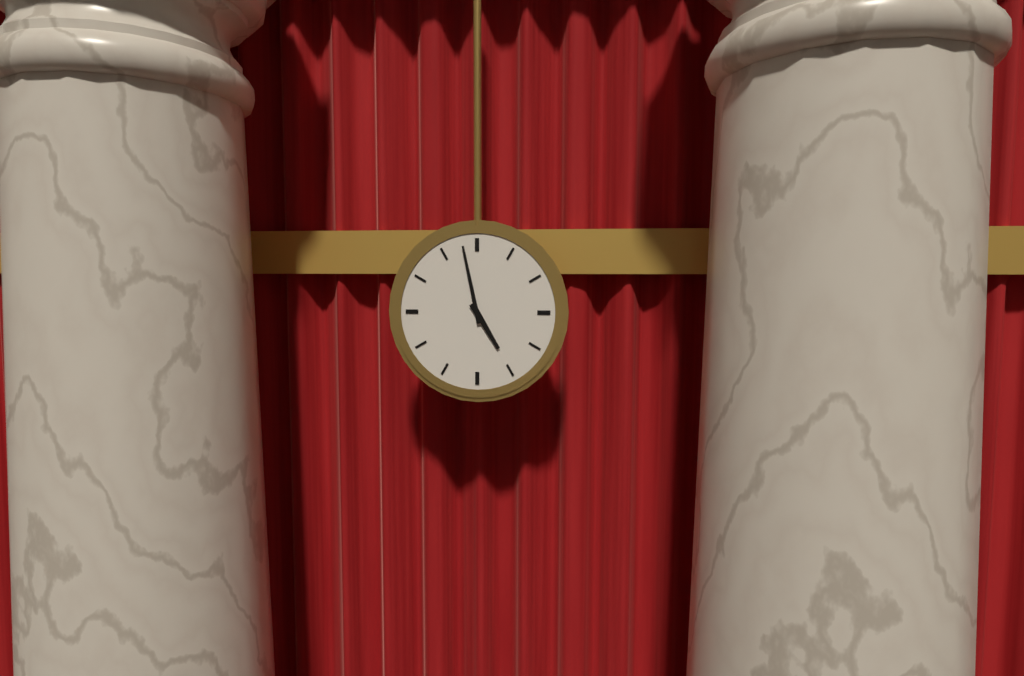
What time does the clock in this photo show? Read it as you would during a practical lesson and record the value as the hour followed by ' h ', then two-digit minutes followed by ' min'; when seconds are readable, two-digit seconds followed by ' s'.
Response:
4 h 58 min
